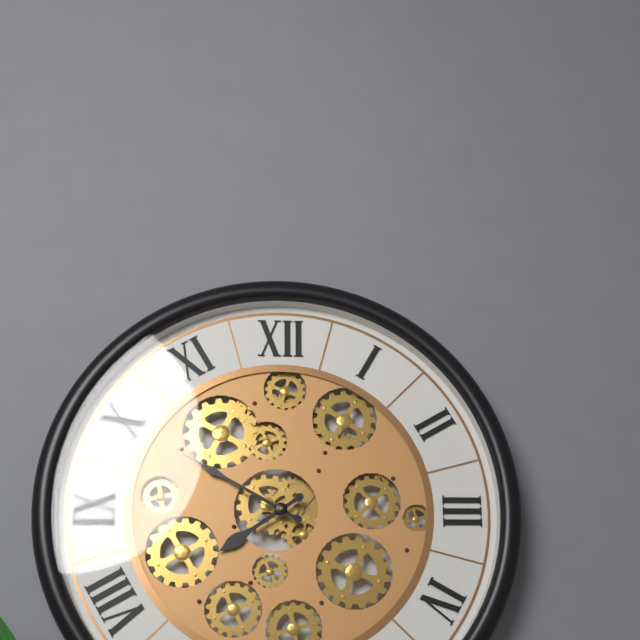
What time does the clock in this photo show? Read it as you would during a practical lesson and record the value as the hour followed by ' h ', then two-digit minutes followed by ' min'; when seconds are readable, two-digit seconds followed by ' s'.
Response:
7 h 50 min
